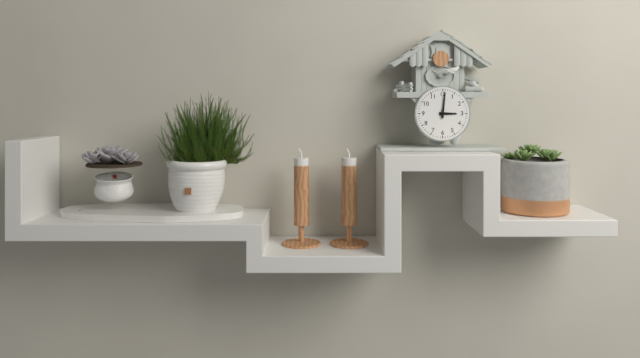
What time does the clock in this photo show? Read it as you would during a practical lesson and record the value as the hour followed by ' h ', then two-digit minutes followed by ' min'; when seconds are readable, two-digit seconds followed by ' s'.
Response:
3 h 01 min
